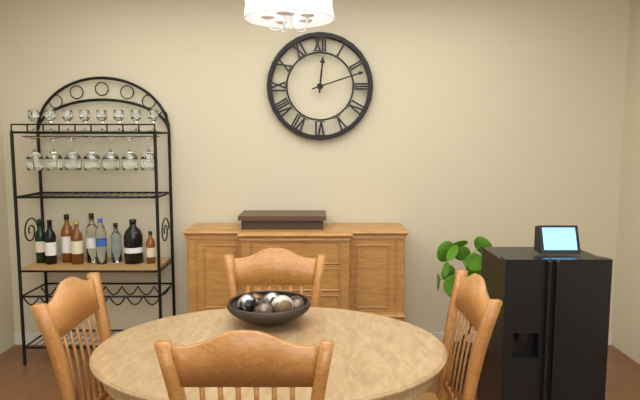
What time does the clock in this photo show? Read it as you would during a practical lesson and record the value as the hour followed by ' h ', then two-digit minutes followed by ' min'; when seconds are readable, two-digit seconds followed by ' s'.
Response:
12 h 12 min
